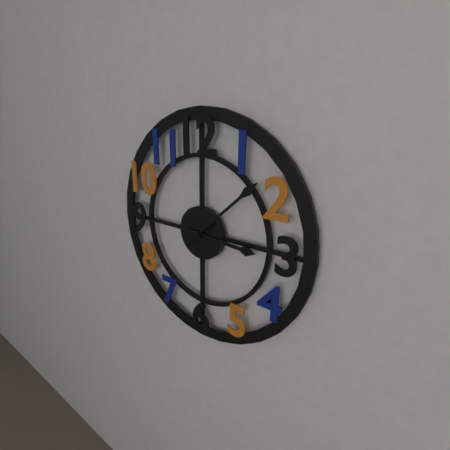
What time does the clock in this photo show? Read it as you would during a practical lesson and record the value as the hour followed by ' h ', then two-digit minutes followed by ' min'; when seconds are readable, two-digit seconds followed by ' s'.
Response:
3 h 08 min
